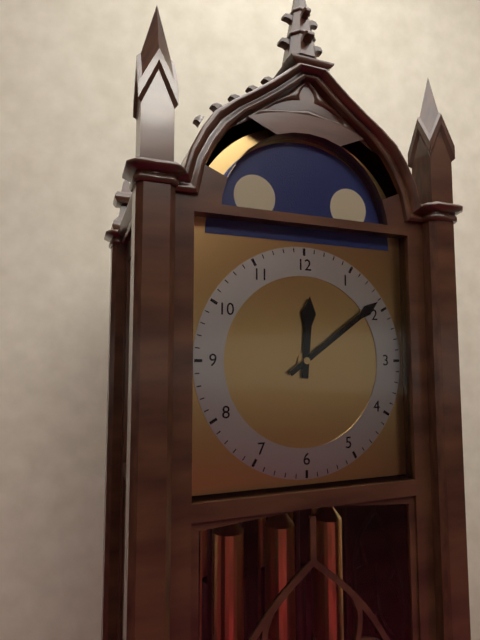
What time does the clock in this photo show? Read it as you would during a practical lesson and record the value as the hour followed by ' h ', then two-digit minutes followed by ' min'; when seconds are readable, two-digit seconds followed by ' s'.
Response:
12 h 09 min
